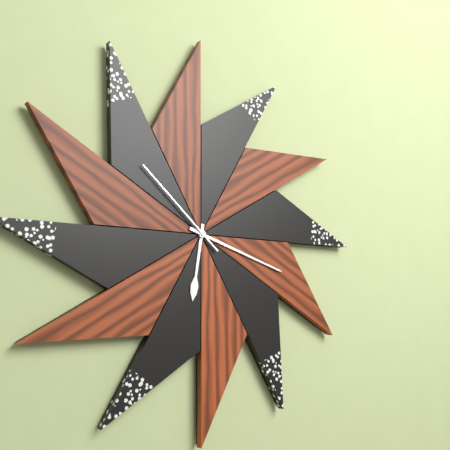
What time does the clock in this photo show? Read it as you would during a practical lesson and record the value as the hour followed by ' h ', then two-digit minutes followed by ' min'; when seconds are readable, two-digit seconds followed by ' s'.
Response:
6 h 18 min 52 s
